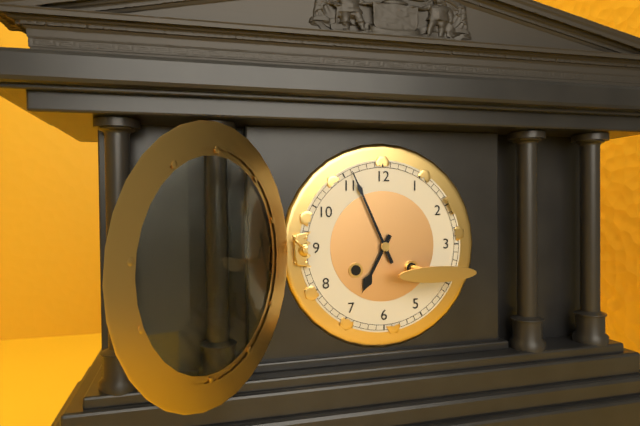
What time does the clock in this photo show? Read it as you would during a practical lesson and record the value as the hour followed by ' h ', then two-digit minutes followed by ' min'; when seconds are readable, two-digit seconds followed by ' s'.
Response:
6 h 56 min
